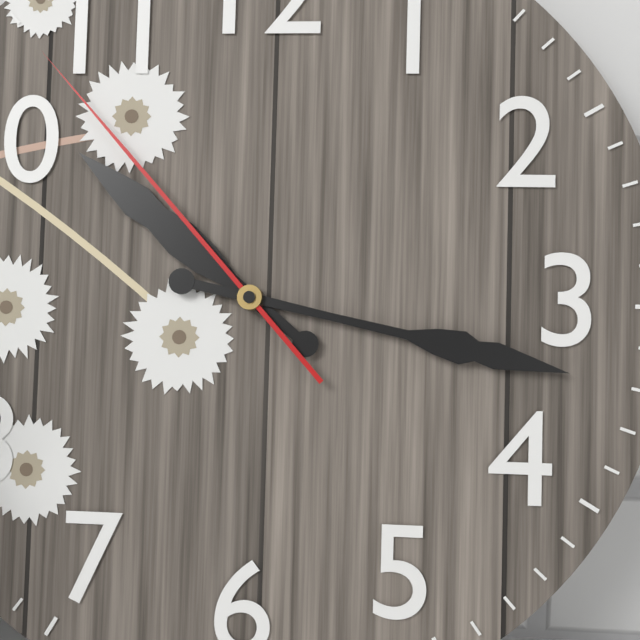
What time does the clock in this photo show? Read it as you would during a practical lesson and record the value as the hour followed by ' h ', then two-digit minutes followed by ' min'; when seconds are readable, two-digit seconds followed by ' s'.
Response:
10 h 17 min 53 s
